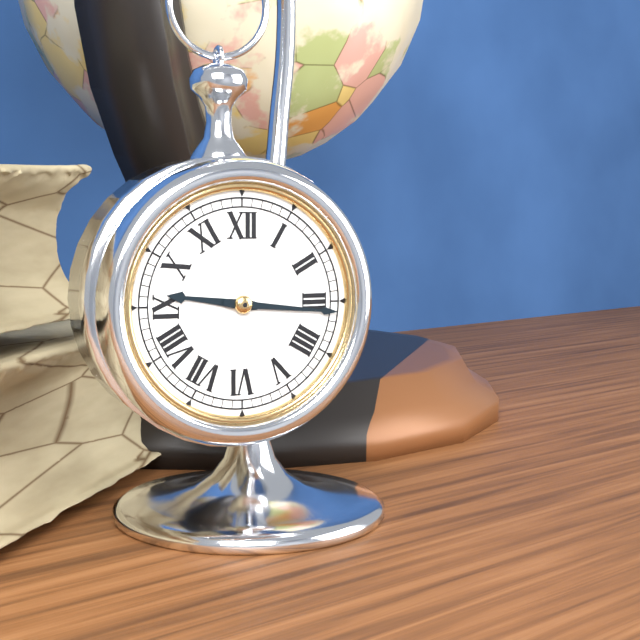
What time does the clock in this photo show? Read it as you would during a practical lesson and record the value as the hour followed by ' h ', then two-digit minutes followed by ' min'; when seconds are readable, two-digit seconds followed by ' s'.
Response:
9 h 16 min
